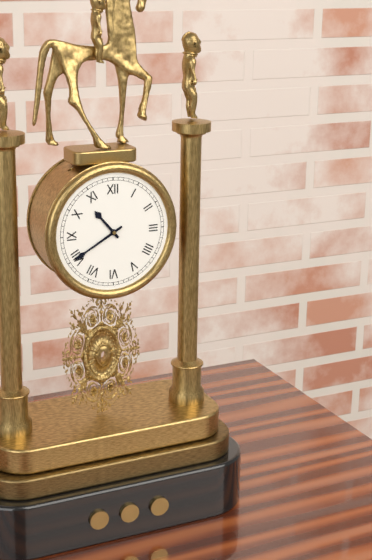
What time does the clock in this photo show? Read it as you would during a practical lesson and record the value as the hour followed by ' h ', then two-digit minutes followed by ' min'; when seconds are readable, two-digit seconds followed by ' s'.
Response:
10 h 40 min
